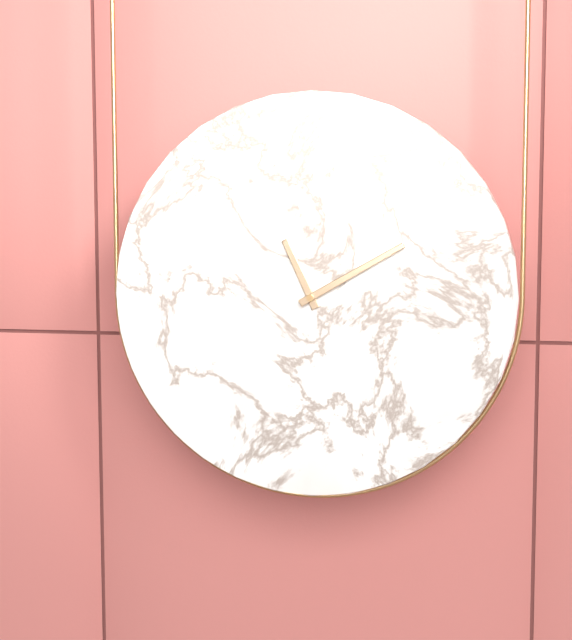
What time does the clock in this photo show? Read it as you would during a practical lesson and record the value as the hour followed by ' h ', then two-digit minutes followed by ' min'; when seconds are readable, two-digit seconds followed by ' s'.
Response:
11 h 10 min
